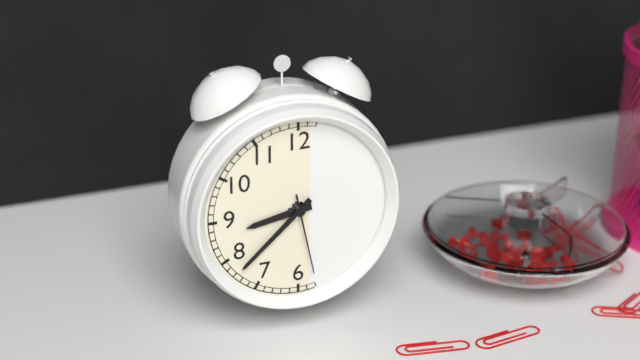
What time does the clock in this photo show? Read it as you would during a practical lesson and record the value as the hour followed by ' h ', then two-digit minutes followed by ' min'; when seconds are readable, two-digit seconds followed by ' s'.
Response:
8 h 38 min 28 s
